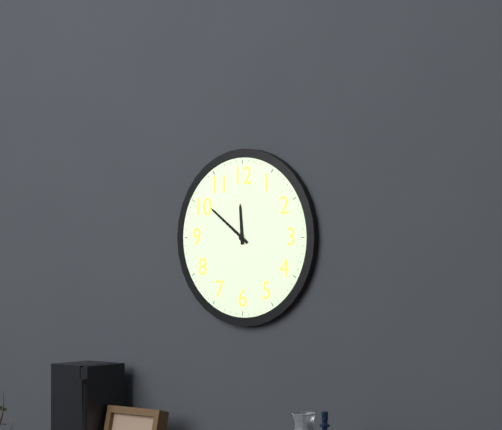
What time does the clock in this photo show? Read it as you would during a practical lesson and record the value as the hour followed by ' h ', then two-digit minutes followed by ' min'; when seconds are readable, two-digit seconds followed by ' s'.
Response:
11 h 51 min
